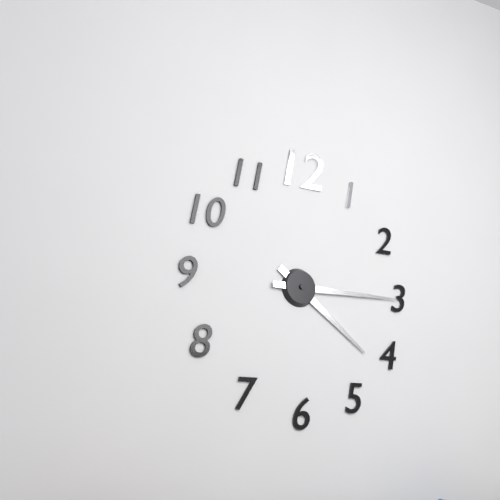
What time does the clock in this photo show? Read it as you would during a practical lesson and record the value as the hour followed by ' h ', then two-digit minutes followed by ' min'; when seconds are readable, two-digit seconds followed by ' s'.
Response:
4 h 15 min
